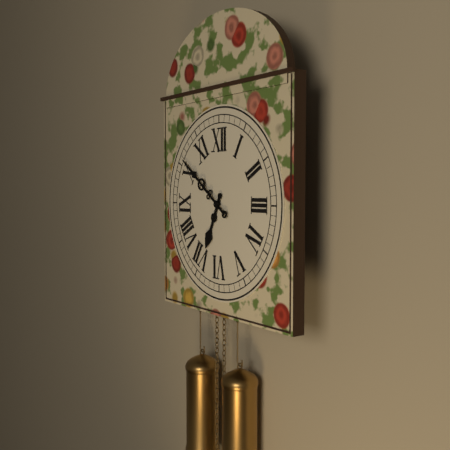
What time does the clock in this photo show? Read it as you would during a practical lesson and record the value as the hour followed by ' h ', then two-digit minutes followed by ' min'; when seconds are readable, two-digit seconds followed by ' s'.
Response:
6 h 51 min
